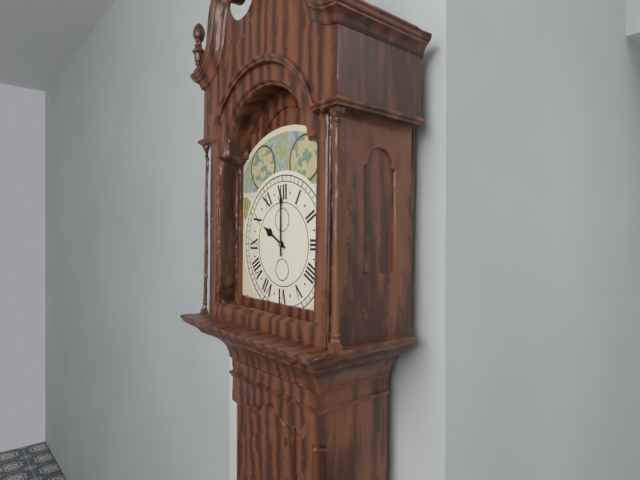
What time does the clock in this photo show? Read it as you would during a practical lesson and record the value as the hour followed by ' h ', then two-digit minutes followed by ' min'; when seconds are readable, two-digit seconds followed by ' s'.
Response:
10 h 00 min
